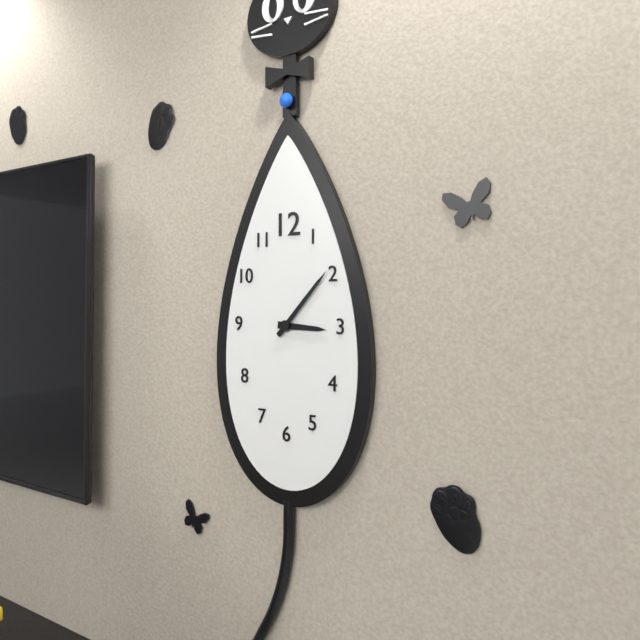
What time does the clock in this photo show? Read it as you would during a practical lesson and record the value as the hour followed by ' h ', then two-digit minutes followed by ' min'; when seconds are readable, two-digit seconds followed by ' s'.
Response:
3 h 07 min
